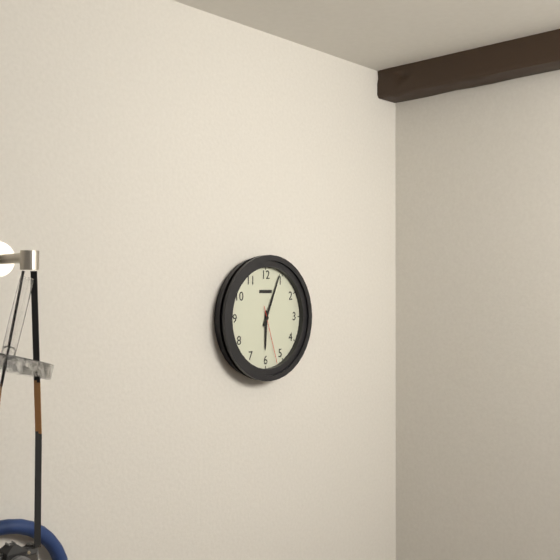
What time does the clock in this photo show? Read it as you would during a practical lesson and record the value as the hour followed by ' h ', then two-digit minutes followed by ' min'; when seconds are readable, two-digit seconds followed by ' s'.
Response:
6 h 04 min 27 s
